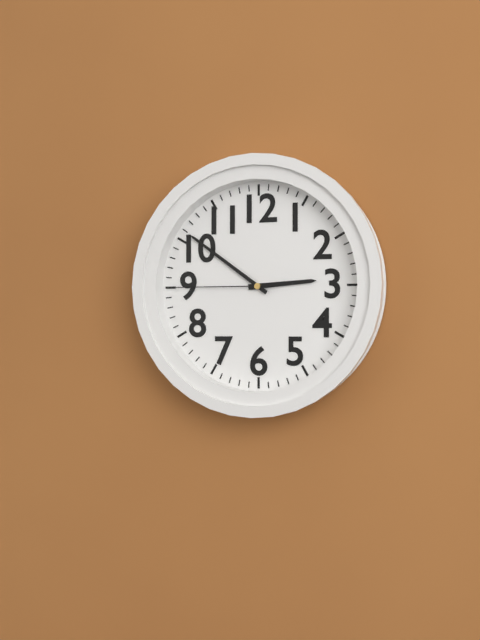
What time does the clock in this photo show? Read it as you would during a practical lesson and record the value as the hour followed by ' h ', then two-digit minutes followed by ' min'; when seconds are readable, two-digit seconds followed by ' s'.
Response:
2 h 51 min 45 s
